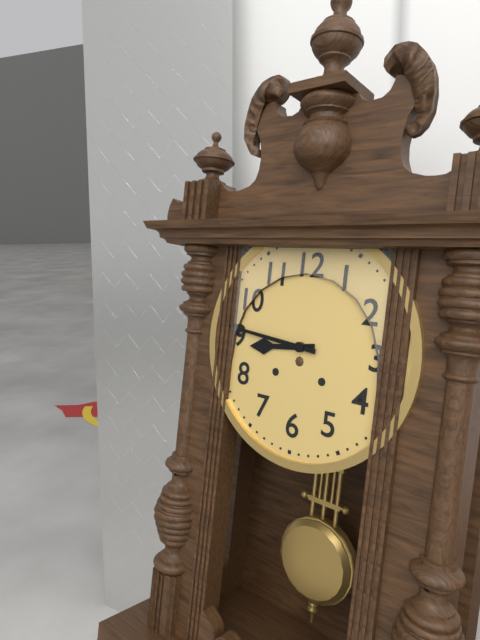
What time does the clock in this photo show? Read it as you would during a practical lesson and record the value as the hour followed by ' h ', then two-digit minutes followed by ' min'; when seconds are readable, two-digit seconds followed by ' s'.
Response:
8 h 46 min
